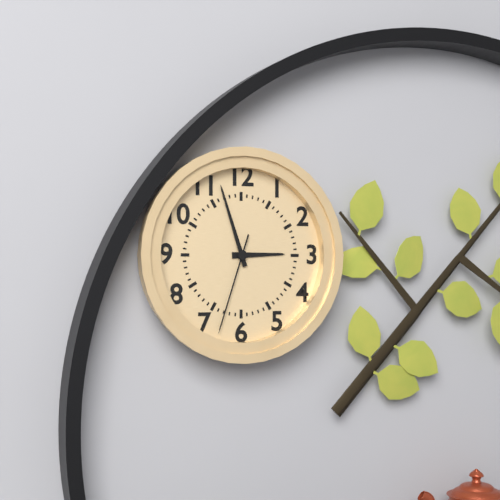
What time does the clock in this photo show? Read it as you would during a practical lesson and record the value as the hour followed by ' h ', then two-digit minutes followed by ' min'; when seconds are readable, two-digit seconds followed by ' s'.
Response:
2 h 57 min 33 s
